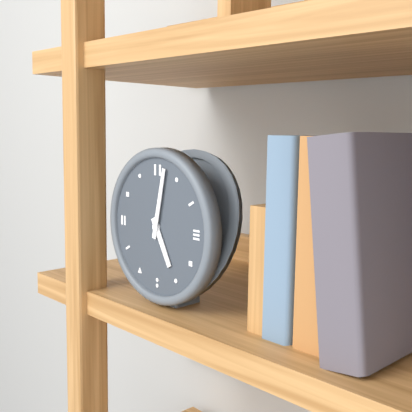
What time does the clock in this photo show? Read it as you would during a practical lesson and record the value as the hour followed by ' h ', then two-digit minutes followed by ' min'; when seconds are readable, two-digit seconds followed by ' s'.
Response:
5 h 02 min
